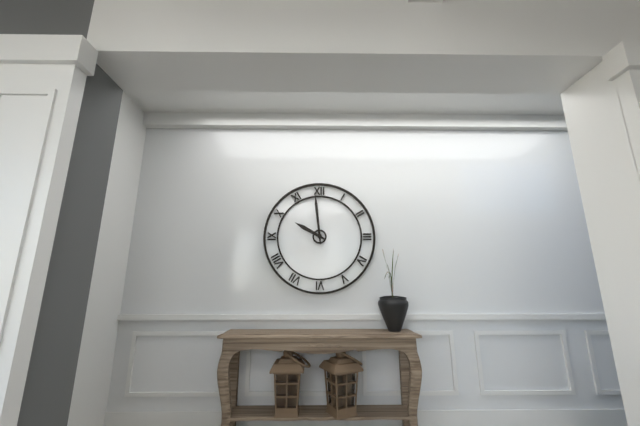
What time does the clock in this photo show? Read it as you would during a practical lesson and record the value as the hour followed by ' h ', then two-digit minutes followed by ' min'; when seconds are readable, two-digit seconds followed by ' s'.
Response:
9 h 59 min
